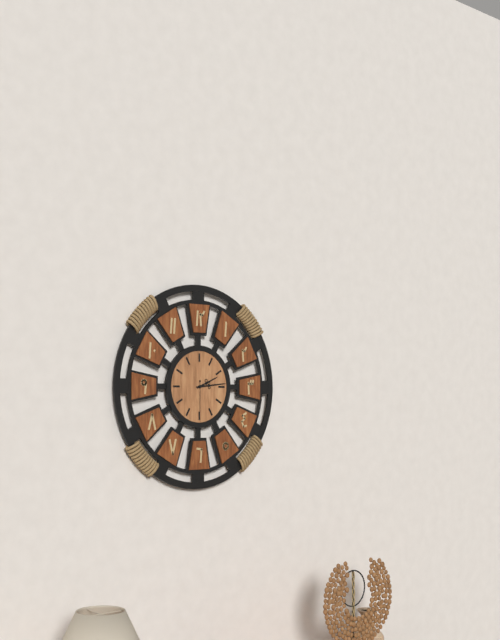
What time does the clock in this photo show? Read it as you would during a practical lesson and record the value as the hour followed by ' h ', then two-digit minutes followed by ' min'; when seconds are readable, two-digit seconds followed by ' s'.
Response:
2 h 14 min
